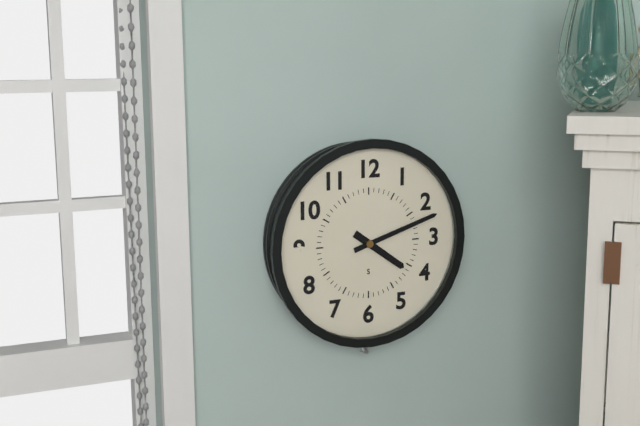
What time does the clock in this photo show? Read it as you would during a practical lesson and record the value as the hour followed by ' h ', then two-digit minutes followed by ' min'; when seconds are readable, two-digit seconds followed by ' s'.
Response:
4 h 12 min
